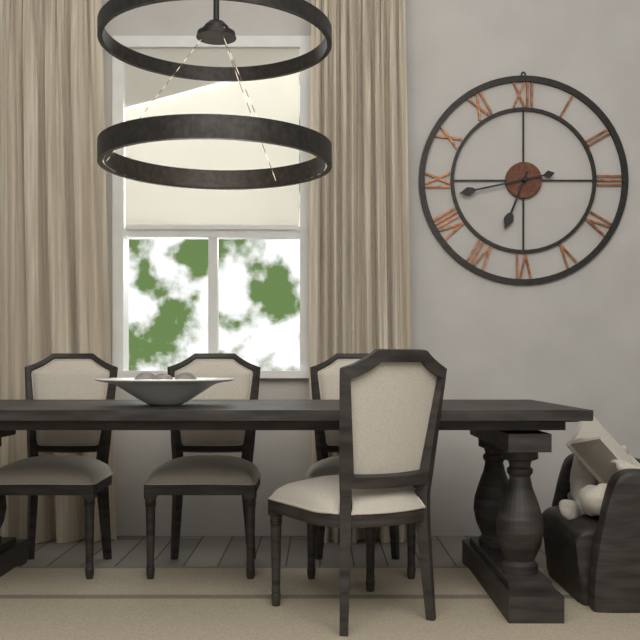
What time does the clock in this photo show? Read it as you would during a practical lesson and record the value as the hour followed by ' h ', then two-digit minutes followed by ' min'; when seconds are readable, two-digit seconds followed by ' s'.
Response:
6 h 43 min
